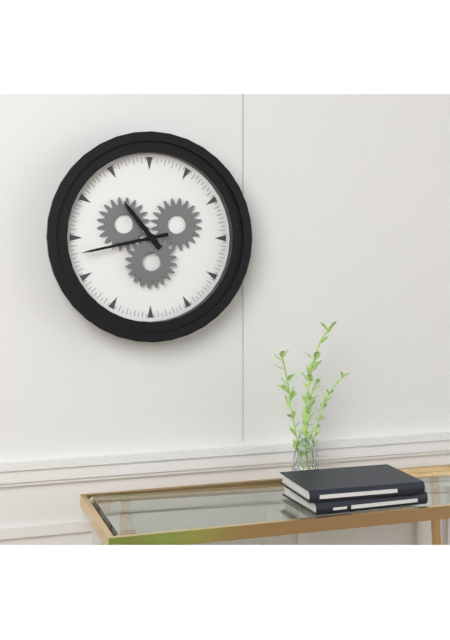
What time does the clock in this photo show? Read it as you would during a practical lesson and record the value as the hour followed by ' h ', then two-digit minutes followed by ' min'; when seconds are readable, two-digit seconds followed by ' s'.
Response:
10 h 43 min
